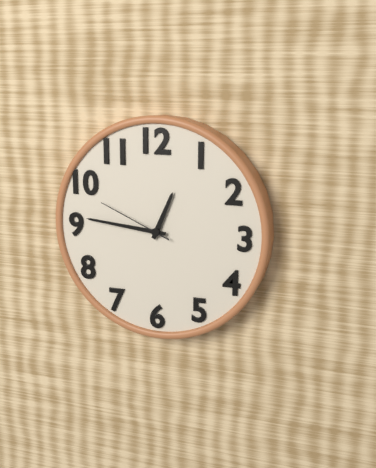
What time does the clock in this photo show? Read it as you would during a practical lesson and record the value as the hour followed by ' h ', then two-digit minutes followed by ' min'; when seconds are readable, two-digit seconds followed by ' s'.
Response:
12 h 46 min 49 s
